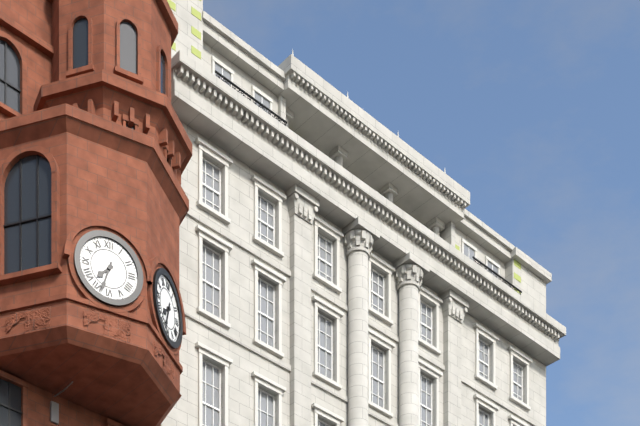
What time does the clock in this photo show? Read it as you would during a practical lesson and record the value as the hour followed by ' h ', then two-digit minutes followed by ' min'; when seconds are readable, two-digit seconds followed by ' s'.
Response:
7 h 33 min
